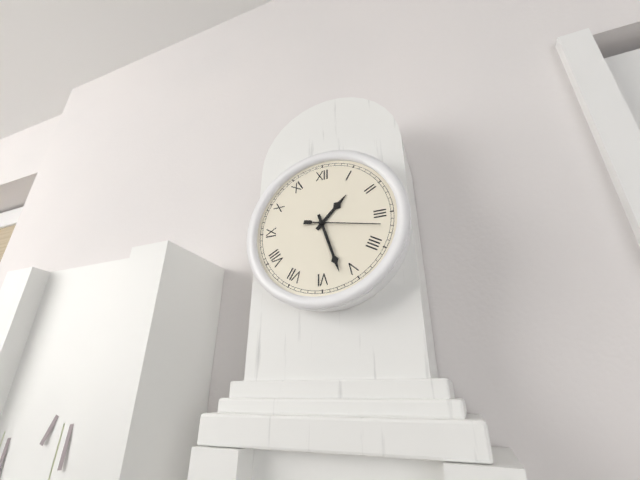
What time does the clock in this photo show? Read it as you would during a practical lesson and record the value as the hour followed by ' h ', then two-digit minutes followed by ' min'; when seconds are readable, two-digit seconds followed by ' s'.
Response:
1 h 27 min 17 s
